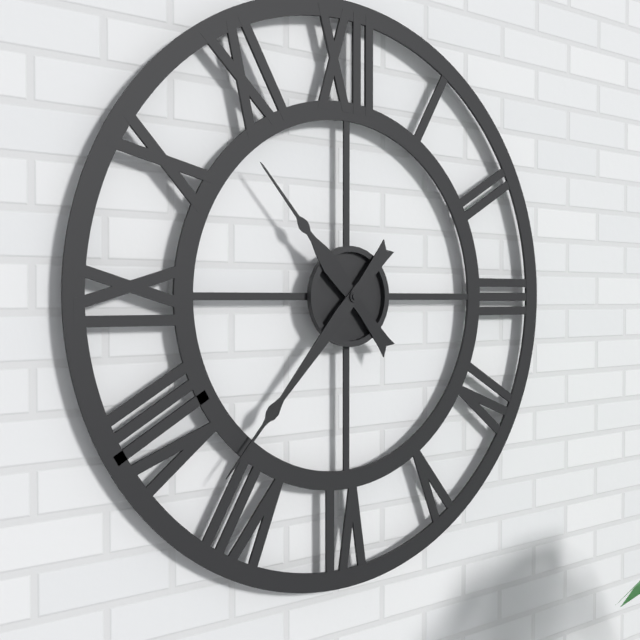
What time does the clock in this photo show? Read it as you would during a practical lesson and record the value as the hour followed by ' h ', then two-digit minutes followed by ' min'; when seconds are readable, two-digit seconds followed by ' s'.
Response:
10 h 37 min
